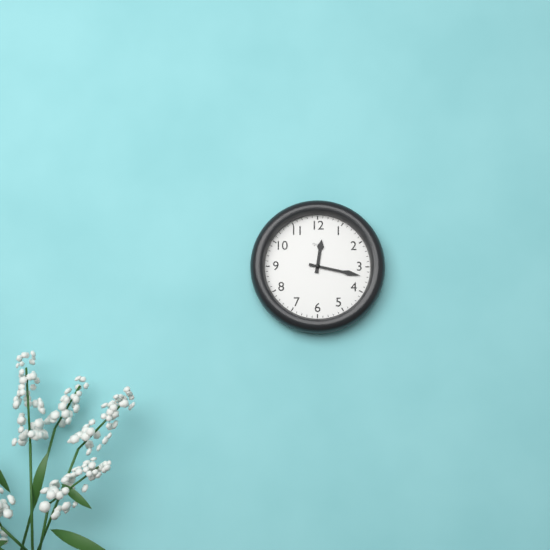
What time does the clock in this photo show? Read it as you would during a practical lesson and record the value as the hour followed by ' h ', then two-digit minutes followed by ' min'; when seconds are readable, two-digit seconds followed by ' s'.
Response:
12 h 17 min
